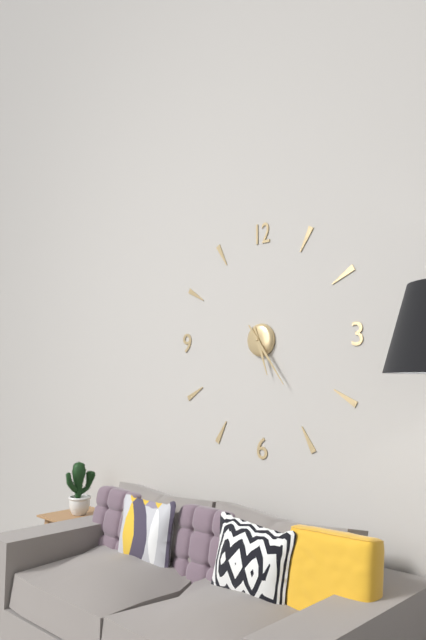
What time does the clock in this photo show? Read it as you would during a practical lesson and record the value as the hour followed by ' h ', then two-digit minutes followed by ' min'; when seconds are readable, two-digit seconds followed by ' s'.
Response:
5 h 24 min
